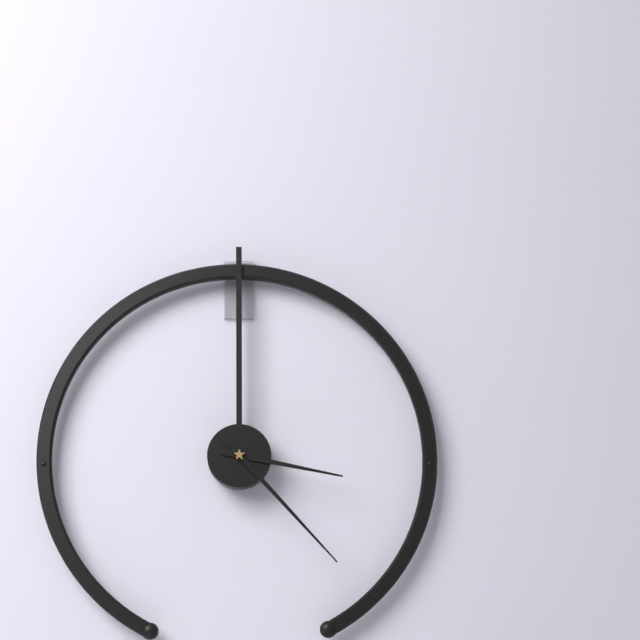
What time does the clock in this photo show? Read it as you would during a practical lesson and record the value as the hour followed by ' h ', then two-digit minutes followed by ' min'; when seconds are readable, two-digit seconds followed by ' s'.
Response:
3 h 23 min
